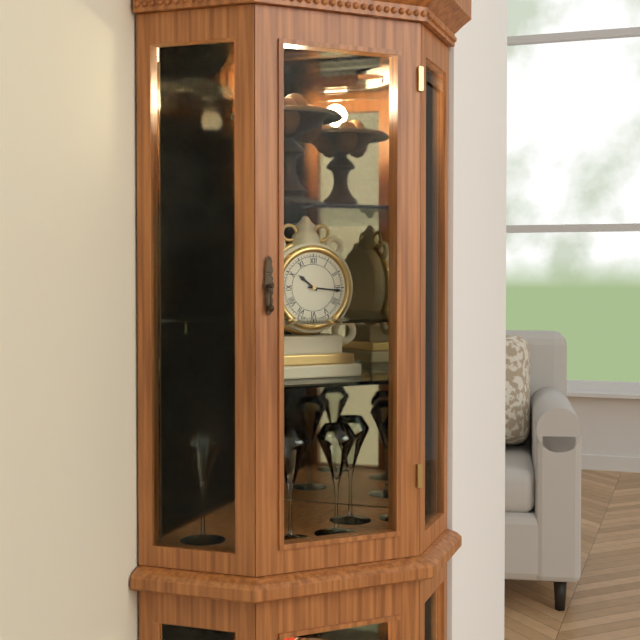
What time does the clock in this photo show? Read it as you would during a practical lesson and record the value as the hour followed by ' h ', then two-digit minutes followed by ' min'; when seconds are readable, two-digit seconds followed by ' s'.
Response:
10 h 16 min
